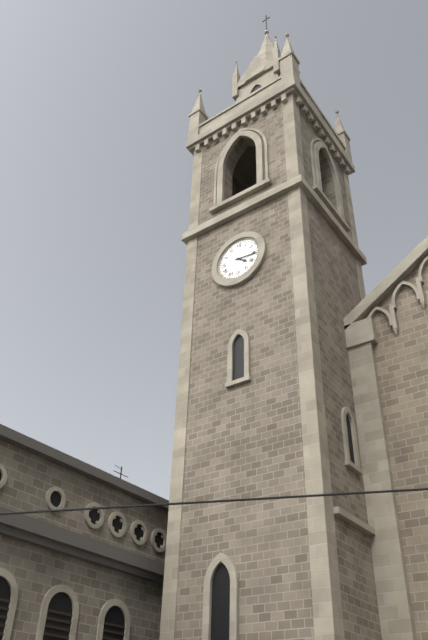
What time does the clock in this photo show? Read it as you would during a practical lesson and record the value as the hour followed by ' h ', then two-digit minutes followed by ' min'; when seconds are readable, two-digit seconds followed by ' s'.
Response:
4 h 16 min
